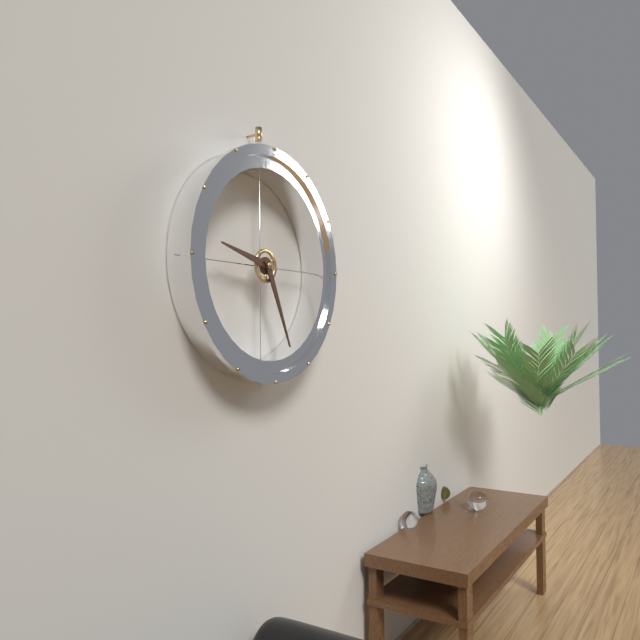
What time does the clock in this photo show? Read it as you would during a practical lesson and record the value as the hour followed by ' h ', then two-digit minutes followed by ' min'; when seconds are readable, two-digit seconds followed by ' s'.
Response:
9 h 26 min
